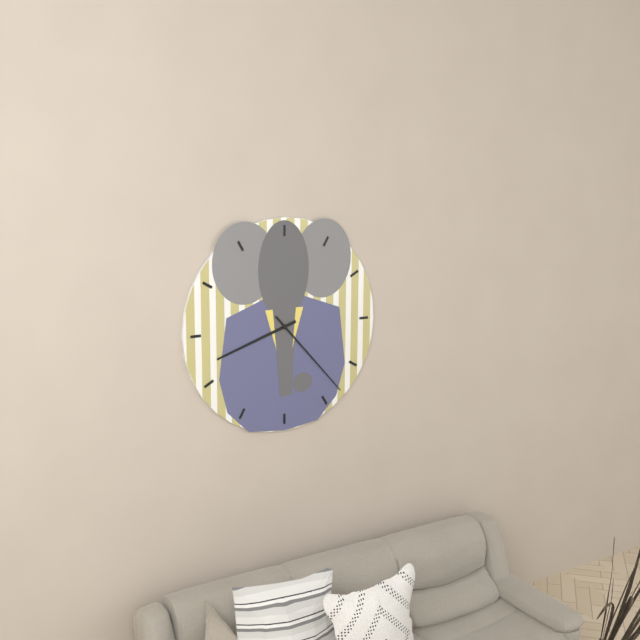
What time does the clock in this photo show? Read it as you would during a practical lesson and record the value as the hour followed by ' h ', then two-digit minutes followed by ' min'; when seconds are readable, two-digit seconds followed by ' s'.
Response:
8 h 23 min
